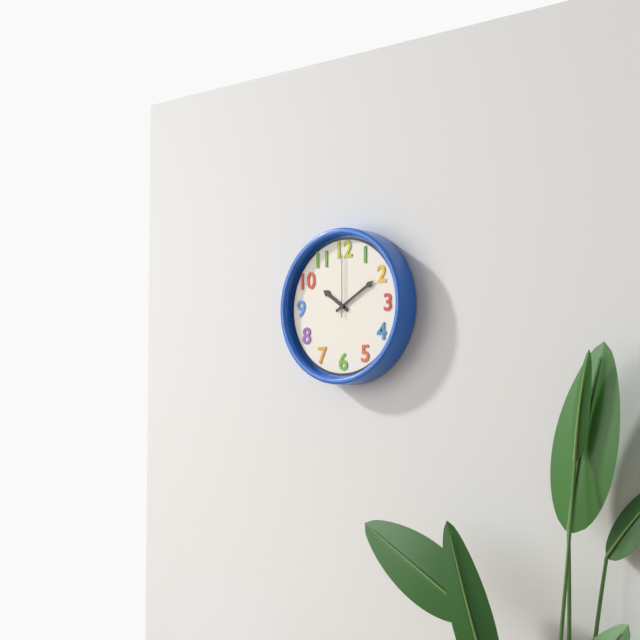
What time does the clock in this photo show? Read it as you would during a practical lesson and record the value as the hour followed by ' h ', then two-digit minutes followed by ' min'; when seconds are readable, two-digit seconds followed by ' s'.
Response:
10 h 10 min 00 s
